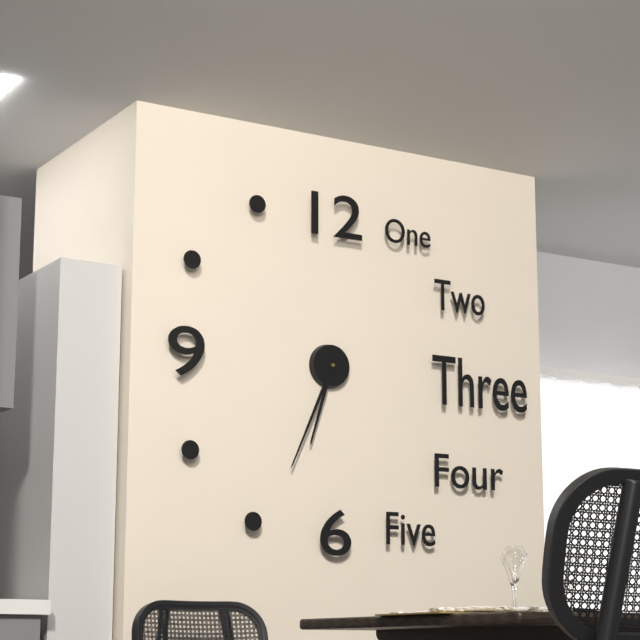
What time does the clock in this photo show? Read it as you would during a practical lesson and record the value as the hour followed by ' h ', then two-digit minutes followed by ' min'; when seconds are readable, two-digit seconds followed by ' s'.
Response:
6 h 34 min
